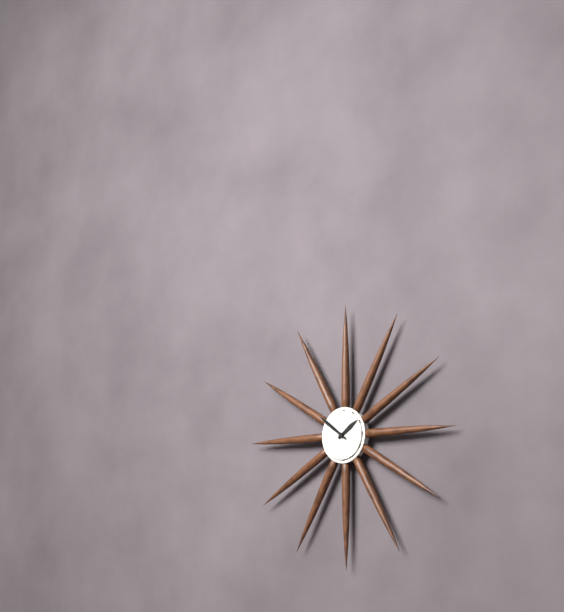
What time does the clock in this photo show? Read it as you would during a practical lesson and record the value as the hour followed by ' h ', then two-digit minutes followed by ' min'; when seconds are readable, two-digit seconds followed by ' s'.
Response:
1 h 51 min
